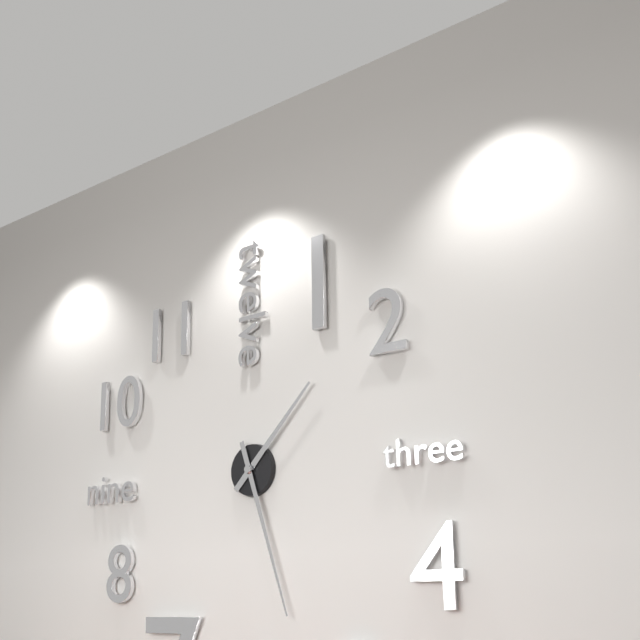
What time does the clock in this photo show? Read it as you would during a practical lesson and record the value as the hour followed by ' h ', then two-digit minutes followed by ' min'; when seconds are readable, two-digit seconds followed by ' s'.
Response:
1 h 27 min
